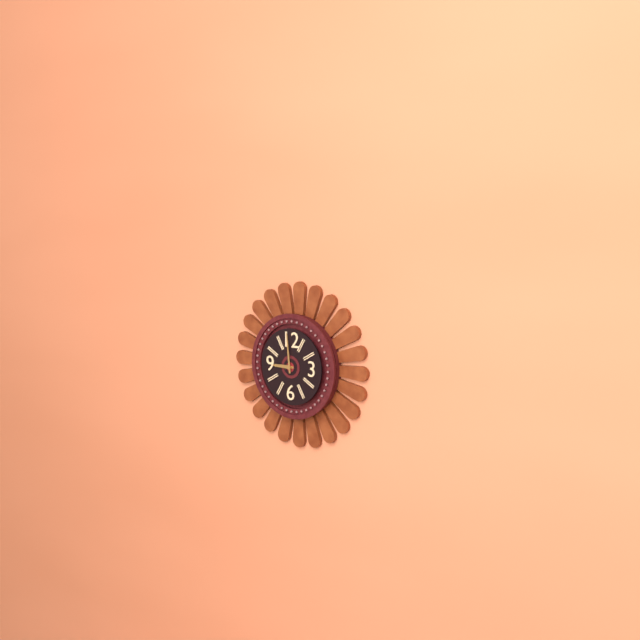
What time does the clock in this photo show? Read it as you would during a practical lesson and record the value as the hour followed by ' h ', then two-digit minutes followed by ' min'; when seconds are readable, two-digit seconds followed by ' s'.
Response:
8 h 59 min
